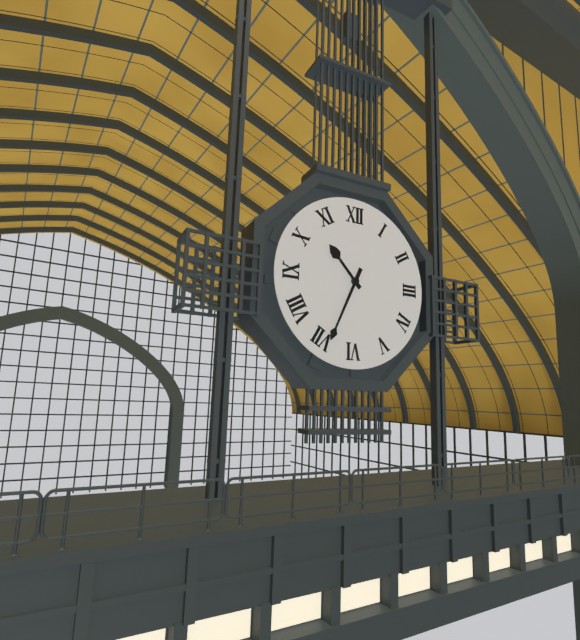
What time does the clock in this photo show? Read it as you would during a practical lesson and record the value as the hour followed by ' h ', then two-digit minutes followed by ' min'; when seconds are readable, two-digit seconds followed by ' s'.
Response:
10 h 34 min
